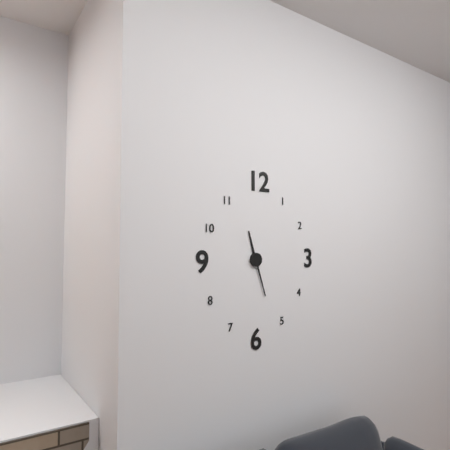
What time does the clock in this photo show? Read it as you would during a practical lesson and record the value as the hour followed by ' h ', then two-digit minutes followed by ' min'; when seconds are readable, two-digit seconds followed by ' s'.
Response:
11 h 27 min
